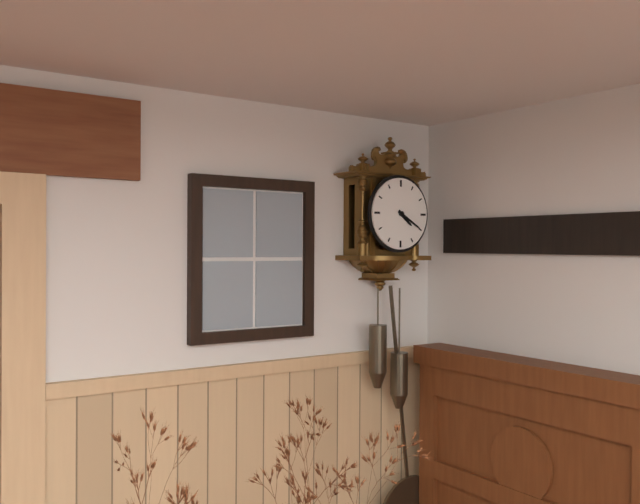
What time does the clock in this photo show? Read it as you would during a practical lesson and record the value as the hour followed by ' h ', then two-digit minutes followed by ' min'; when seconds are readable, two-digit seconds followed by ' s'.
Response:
4 h 20 min
